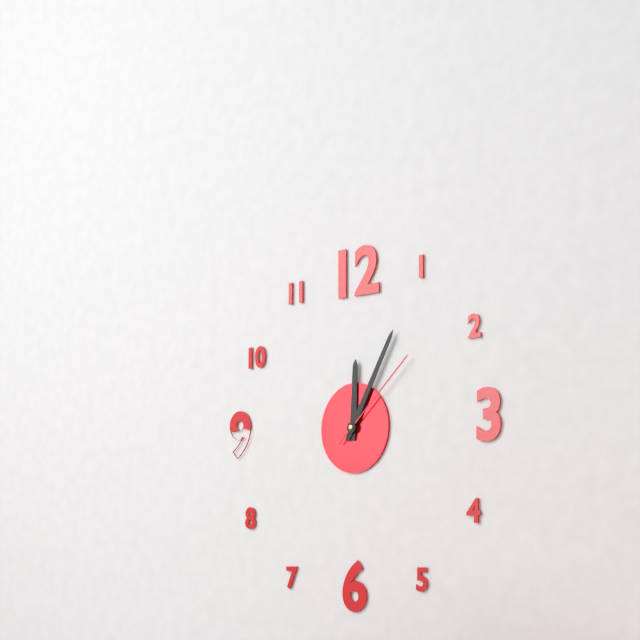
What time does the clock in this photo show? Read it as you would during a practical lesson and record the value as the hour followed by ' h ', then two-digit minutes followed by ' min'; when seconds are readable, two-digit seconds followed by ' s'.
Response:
12 h 05 min 08 s
